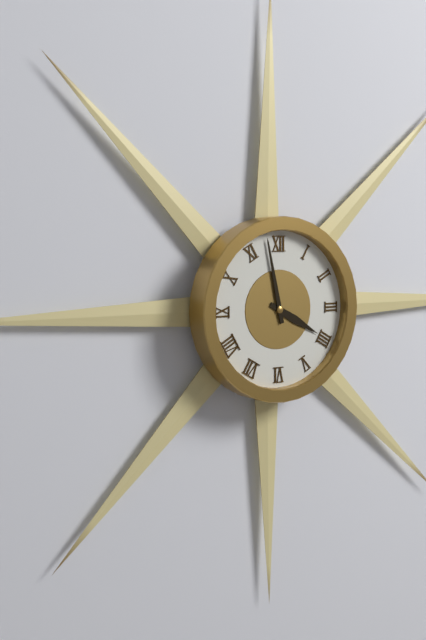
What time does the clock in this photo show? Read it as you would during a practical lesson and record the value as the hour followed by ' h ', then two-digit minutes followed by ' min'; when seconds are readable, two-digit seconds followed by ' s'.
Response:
3 h 58 min
